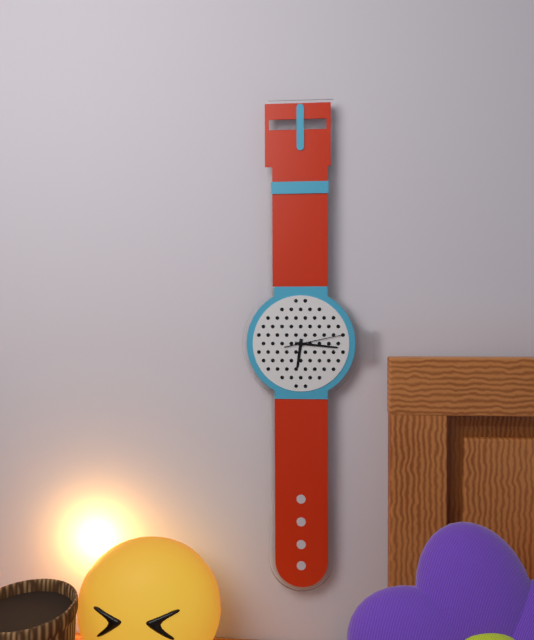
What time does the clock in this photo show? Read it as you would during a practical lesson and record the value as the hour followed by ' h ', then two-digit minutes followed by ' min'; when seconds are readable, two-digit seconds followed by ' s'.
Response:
6 h 16 min 13 s
